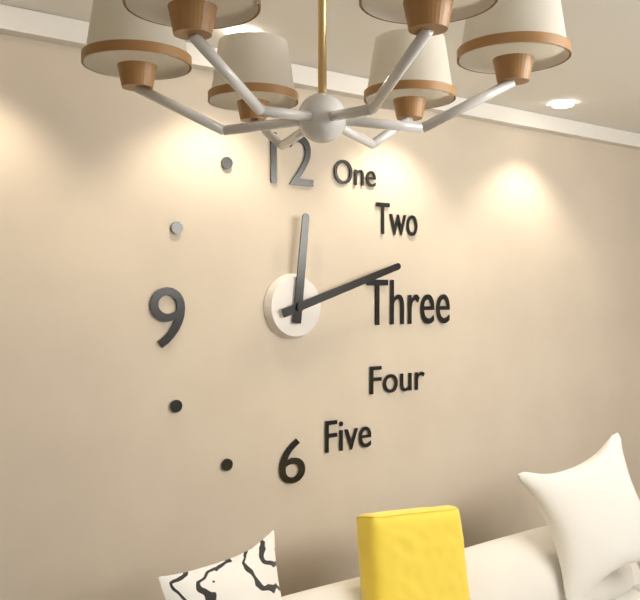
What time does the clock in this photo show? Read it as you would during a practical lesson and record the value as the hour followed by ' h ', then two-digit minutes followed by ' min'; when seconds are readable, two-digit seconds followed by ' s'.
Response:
12 h 12 min
